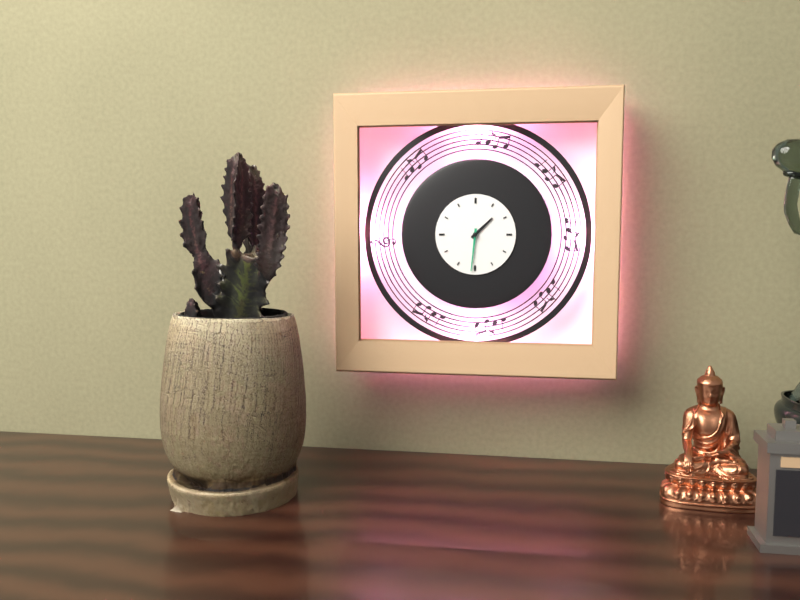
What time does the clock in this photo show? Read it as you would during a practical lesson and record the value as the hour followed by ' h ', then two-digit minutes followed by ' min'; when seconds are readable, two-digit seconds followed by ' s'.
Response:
1 h 31 min
